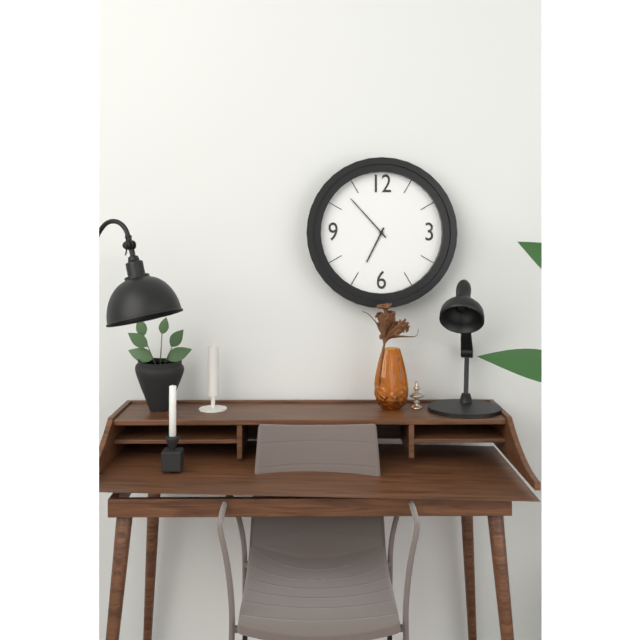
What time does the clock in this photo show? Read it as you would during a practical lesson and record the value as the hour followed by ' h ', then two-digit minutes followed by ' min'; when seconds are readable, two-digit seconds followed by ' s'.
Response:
6 h 53 min
